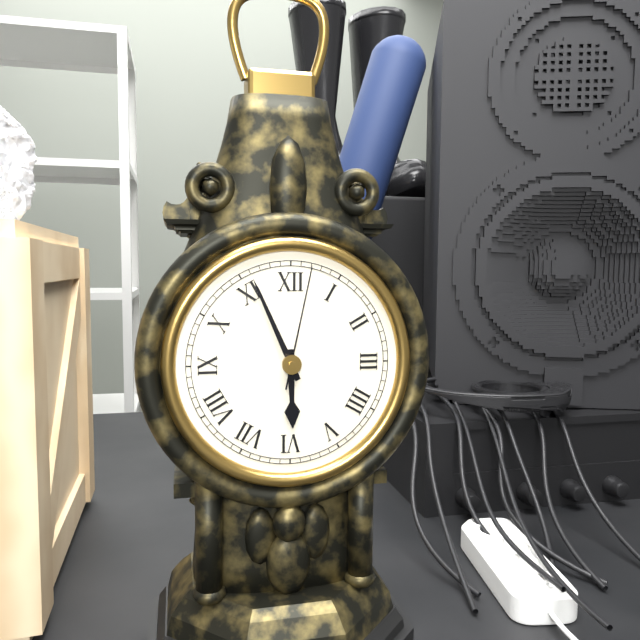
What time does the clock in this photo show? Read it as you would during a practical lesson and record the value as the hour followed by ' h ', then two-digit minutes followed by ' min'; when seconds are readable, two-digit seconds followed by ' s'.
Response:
5 h 56 min 02 s
